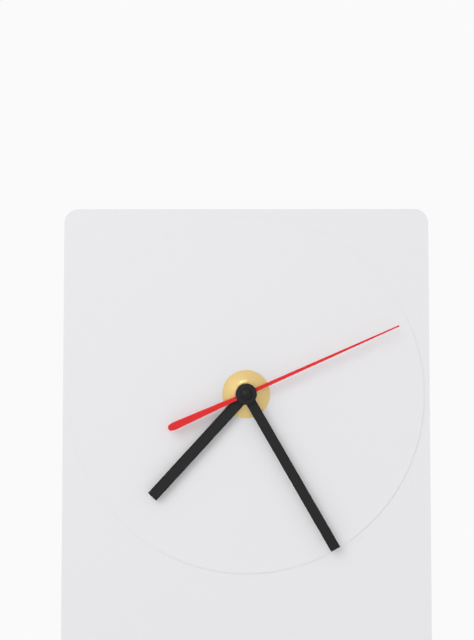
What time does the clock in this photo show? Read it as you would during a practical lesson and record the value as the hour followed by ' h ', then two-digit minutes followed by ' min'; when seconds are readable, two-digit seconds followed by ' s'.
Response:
7 h 25 min 11 s
